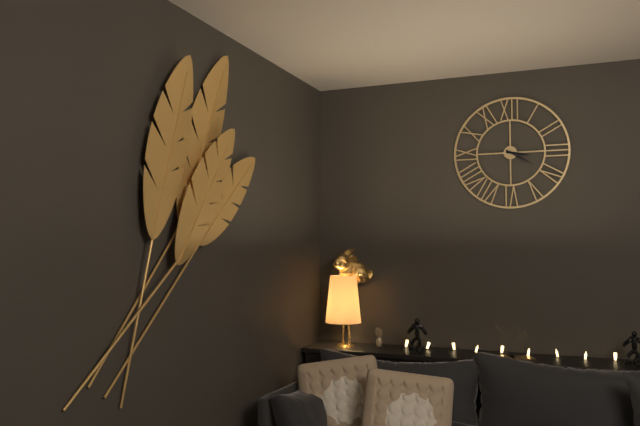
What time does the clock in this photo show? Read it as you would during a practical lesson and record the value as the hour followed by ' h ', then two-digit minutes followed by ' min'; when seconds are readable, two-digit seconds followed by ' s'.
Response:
3 h 20 min
